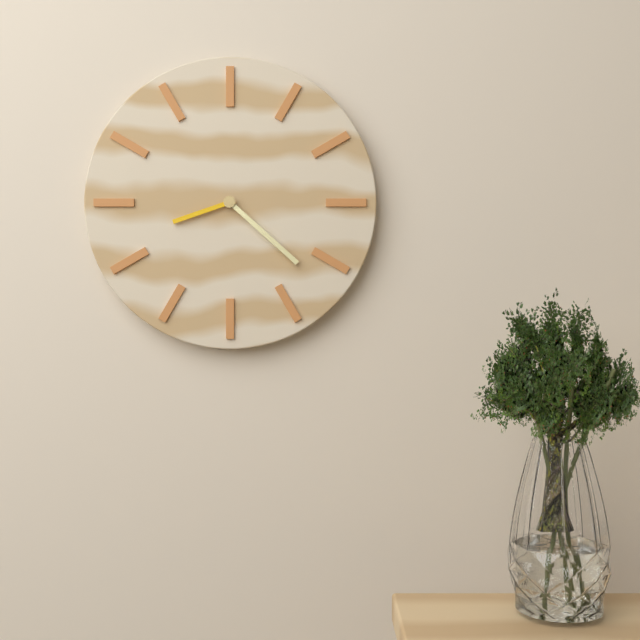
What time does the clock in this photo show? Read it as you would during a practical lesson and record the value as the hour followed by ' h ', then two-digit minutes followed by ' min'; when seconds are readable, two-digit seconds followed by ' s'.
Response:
8 h 22 min
